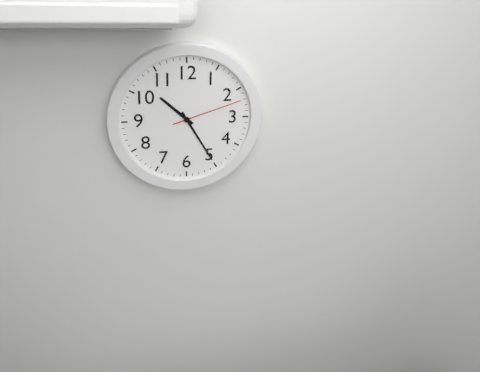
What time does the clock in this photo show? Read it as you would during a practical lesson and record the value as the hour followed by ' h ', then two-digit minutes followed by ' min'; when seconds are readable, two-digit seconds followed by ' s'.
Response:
10 h 25 min 12 s
